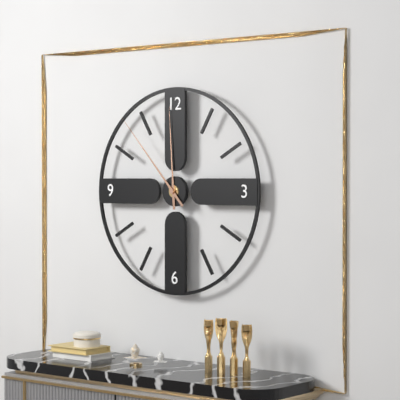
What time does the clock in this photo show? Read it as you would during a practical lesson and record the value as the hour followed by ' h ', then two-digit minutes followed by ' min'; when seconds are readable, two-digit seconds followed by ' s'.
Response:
11 h 53 min
